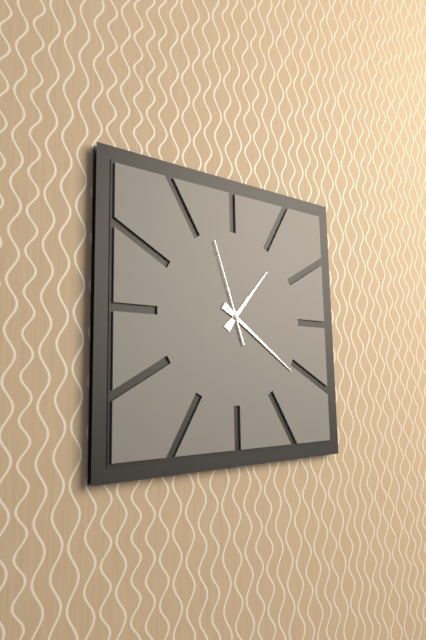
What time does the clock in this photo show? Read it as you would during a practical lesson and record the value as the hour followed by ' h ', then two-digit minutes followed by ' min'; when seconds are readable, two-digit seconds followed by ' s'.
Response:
1 h 21 min 57 s
